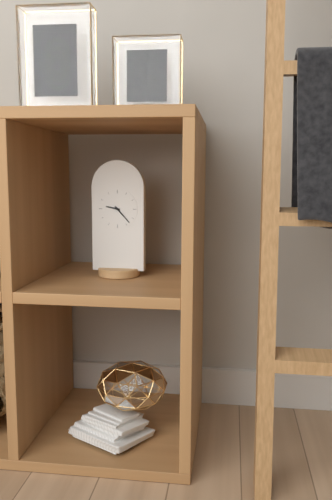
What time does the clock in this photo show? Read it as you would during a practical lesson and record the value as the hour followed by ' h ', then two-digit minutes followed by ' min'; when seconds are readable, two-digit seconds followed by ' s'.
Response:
9 h 23 min
